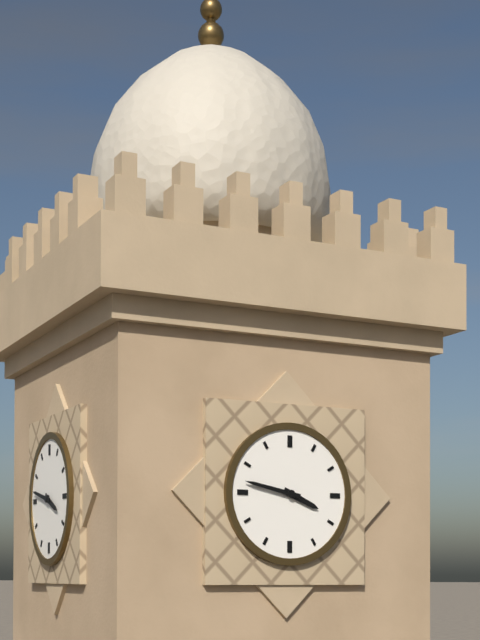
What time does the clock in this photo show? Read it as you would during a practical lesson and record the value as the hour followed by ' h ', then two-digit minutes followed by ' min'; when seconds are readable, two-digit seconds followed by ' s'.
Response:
3 h 47 min
